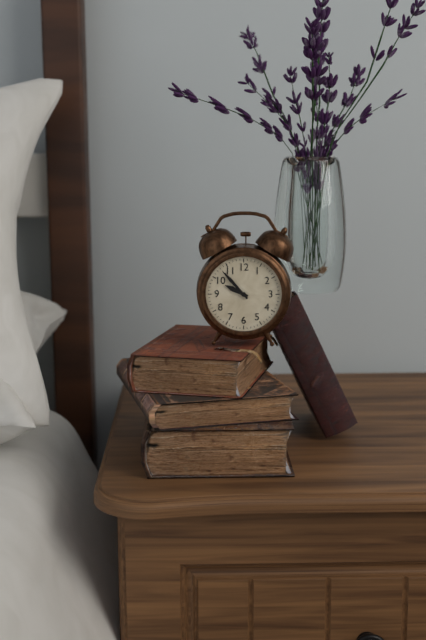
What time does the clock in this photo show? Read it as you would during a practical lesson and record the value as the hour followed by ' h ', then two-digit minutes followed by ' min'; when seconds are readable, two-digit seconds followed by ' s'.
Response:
9 h 53 min
